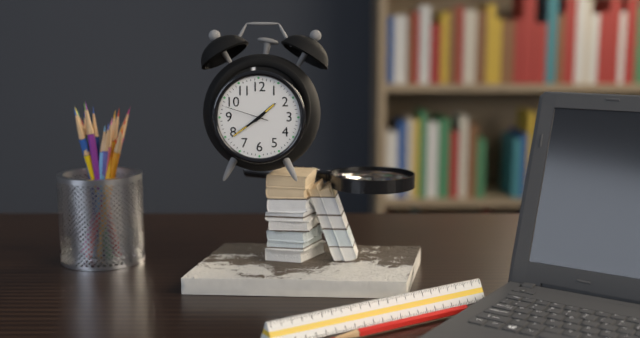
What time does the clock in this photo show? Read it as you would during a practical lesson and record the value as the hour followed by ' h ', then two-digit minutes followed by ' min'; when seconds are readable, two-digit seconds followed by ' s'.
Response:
1 h 39 min
